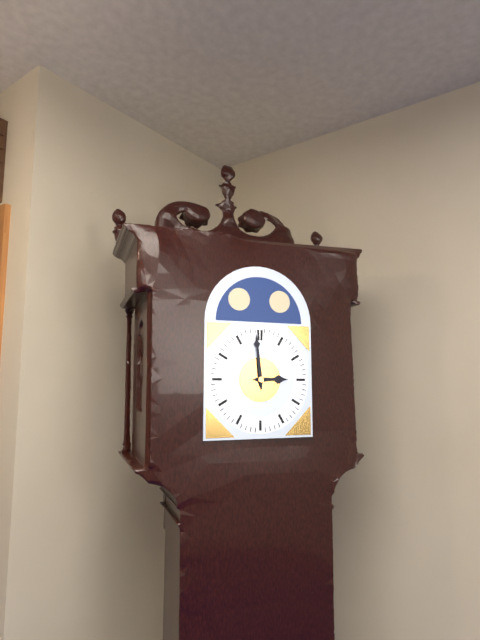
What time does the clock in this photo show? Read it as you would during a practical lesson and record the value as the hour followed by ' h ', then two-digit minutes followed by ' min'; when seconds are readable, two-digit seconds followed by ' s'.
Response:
2 h 59 min
